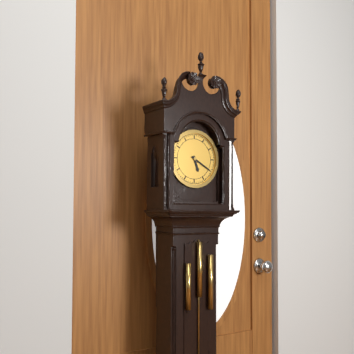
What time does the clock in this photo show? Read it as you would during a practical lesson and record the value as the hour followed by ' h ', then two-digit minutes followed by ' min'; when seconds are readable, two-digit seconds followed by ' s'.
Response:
5 h 20 min
